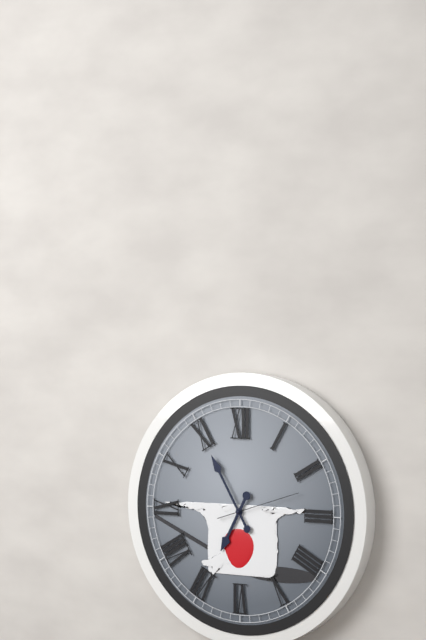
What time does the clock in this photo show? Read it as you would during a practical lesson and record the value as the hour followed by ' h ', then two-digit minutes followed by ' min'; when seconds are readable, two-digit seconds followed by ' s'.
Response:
6 h 55 min 12 s
